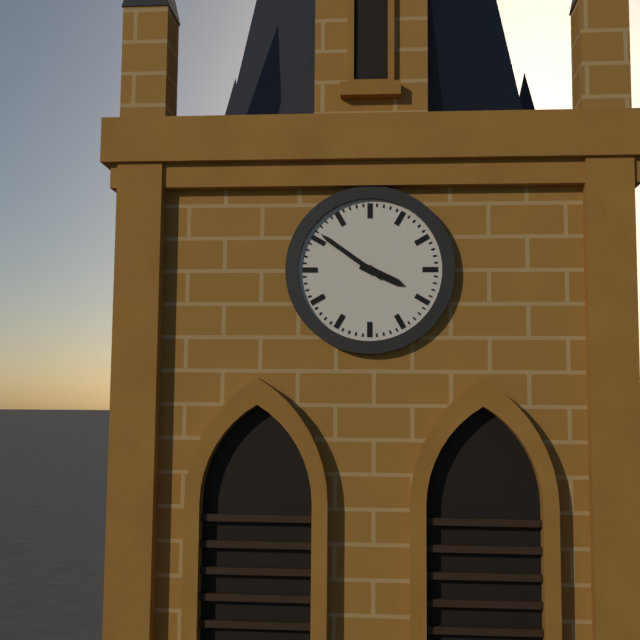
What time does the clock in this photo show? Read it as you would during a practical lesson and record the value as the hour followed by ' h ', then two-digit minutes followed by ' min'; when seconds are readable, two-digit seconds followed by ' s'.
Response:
3 h 51 min
